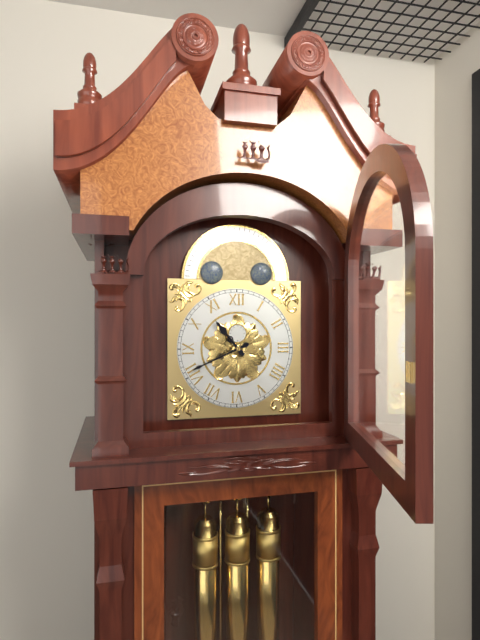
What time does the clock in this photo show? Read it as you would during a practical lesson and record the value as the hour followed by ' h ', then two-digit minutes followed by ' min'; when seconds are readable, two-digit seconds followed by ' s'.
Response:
10 h 41 min
